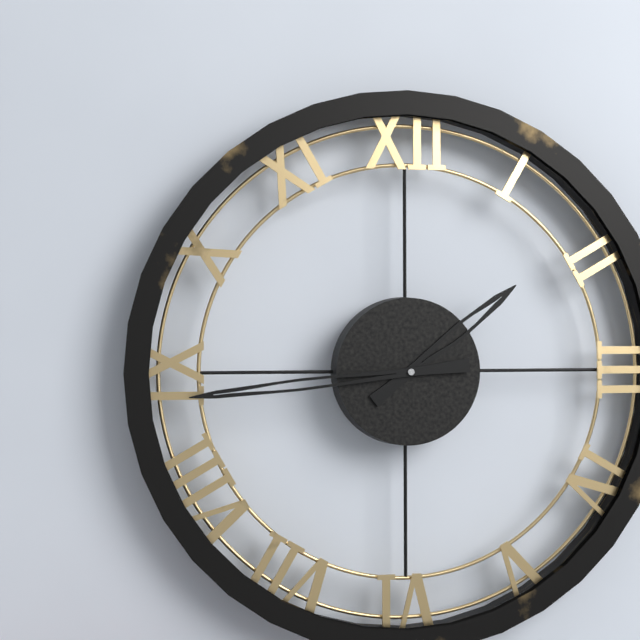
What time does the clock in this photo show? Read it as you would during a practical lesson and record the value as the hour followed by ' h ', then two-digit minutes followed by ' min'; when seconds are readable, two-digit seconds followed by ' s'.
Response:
1 h 44 min
